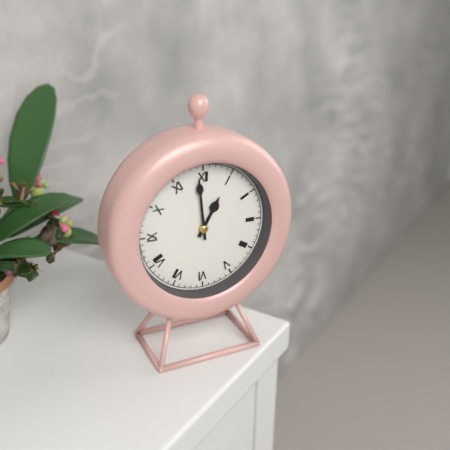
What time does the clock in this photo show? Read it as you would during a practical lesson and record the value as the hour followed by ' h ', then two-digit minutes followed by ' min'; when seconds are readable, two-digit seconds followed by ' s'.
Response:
12 h 59 min
